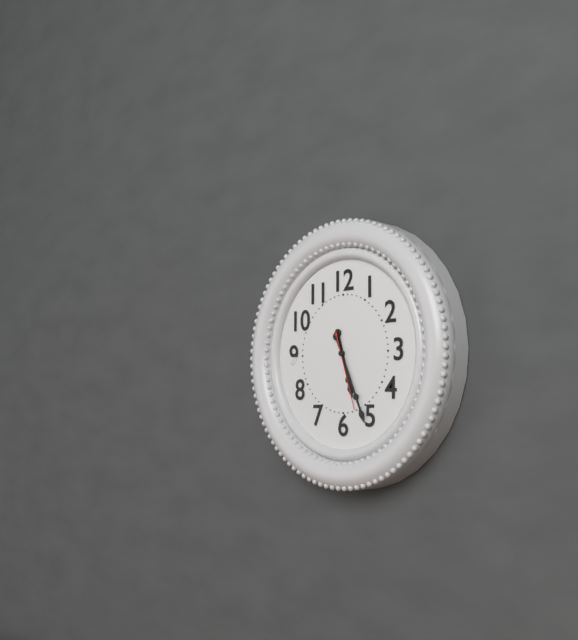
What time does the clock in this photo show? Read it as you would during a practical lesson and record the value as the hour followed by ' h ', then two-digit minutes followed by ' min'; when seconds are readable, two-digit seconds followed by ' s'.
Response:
5 h 26 min 27 s
